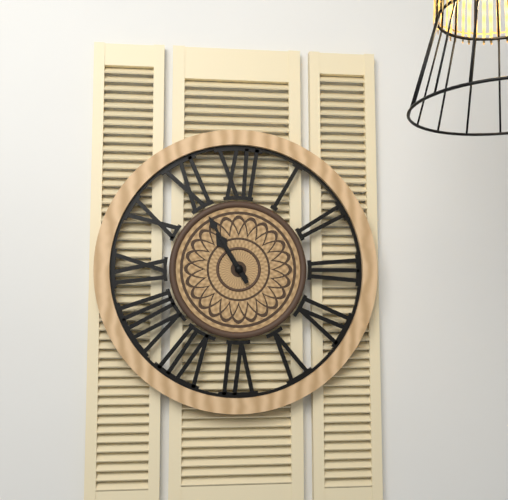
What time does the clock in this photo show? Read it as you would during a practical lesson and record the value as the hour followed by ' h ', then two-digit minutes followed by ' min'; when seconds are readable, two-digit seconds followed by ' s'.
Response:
10 h 55 min
